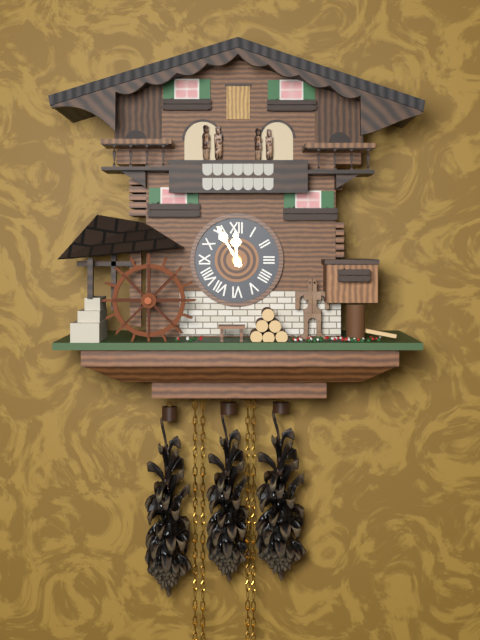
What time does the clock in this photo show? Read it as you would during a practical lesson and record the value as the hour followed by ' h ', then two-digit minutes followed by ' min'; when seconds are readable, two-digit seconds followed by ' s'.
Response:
11 h 55 min
